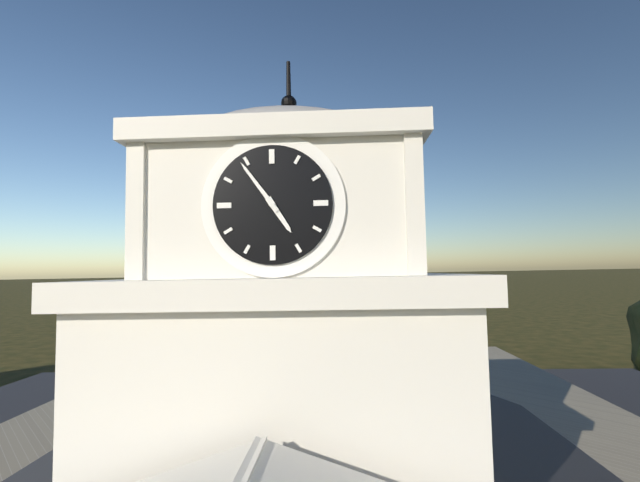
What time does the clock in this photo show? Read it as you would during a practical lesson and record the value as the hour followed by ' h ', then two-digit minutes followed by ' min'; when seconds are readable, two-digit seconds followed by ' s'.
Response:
4 h 54 min
